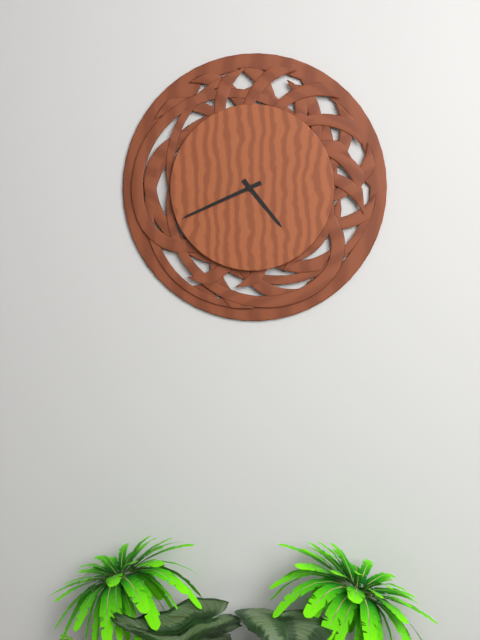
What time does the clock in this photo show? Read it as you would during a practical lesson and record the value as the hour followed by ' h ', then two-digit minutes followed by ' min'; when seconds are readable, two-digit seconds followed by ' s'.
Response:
4 h 41 min
